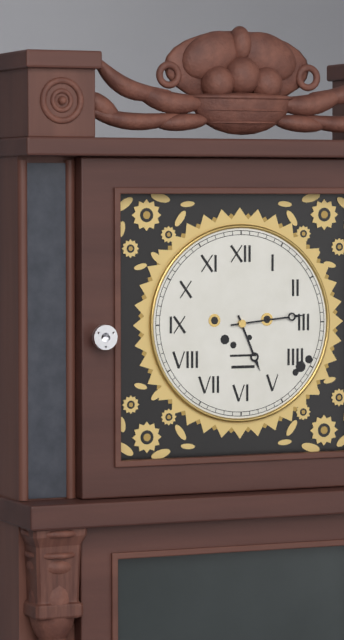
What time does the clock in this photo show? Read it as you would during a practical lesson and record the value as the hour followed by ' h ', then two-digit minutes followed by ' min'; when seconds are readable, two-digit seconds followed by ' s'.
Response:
5 h 14 min
